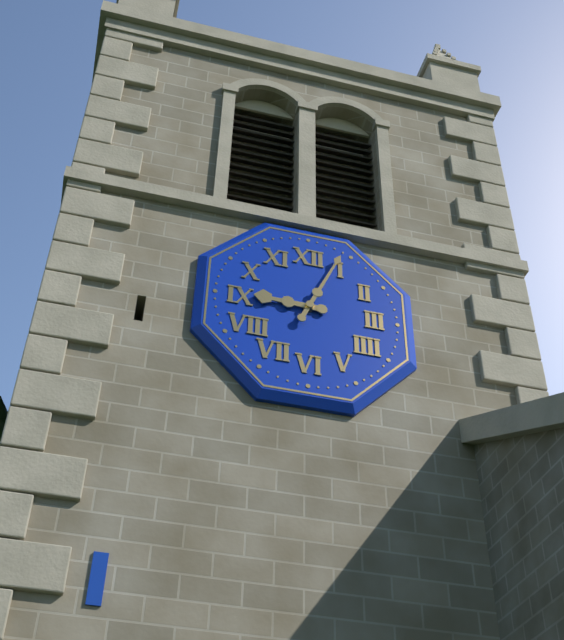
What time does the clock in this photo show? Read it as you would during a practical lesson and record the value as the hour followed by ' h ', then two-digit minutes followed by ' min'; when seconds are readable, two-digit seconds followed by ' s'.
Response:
9 h 04 min
